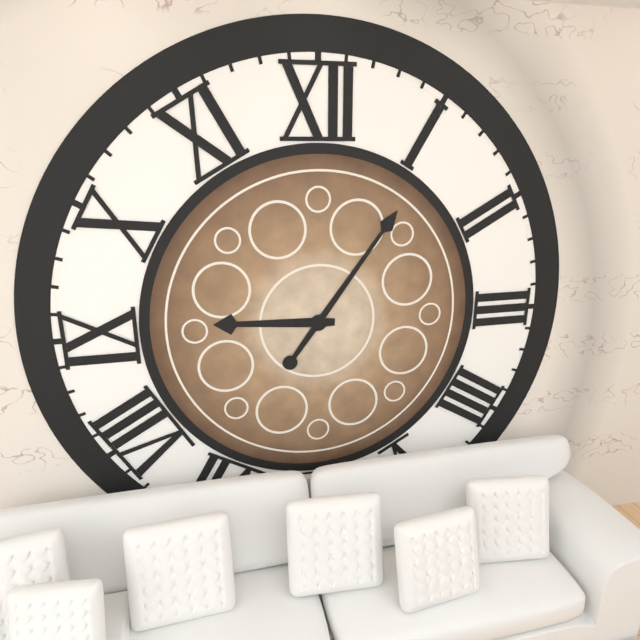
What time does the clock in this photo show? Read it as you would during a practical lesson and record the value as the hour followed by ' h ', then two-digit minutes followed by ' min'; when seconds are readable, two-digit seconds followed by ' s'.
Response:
9 h 06 min
